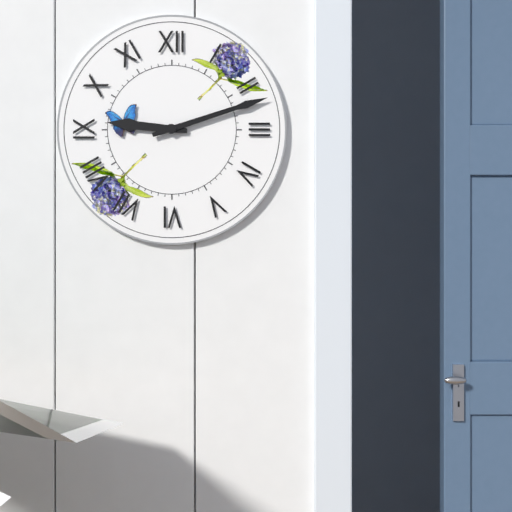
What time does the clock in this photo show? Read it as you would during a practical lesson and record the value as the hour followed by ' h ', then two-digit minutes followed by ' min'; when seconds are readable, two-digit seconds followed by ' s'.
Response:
9 h 12 min
